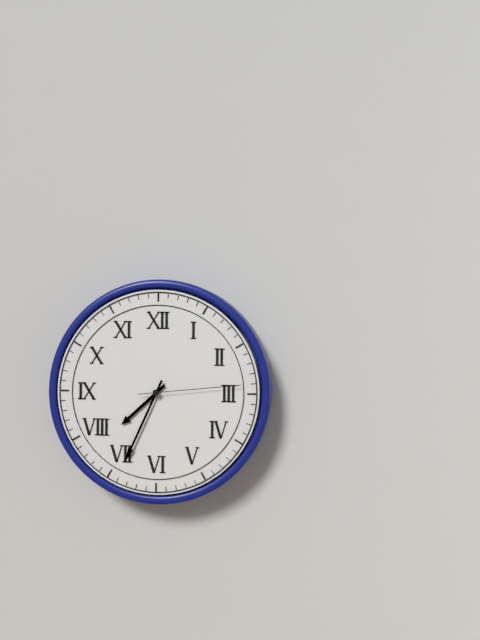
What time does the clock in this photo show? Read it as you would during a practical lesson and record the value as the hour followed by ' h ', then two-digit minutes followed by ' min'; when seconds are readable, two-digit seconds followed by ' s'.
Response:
7 h 34 min 14 s
